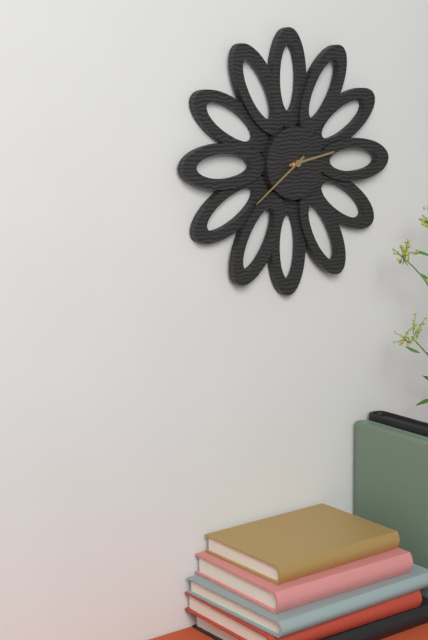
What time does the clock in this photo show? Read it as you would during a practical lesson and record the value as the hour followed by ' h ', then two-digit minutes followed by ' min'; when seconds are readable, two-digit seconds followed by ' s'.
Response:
2 h 39 min
